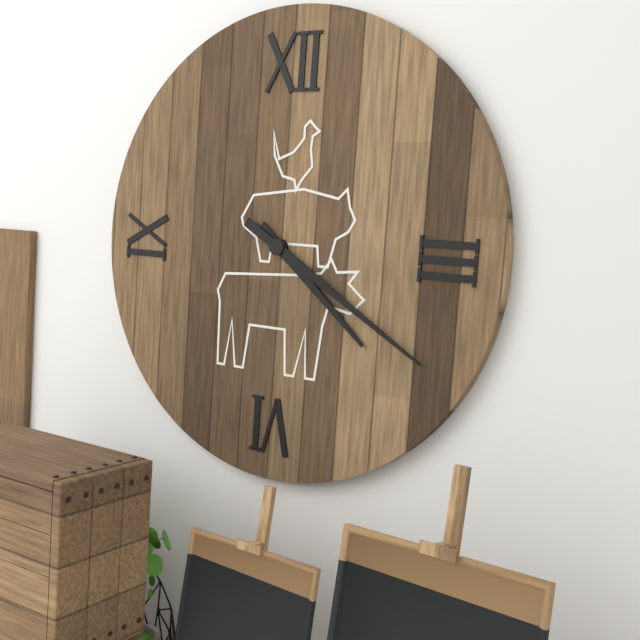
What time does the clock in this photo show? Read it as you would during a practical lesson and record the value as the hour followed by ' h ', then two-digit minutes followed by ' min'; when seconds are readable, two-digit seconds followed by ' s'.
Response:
4 h 20 min
